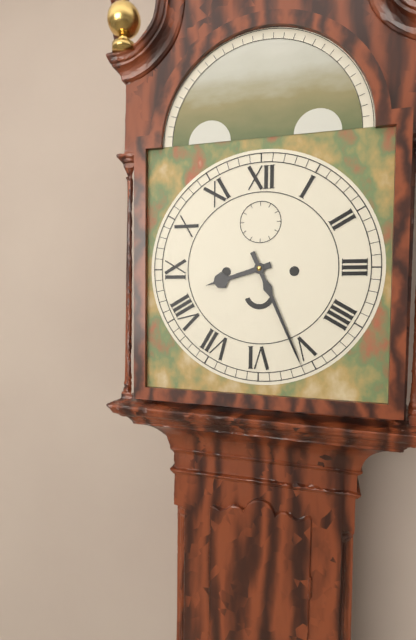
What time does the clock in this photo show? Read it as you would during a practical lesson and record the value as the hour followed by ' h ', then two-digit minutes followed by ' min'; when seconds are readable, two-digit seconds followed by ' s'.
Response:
8 h 26 min
